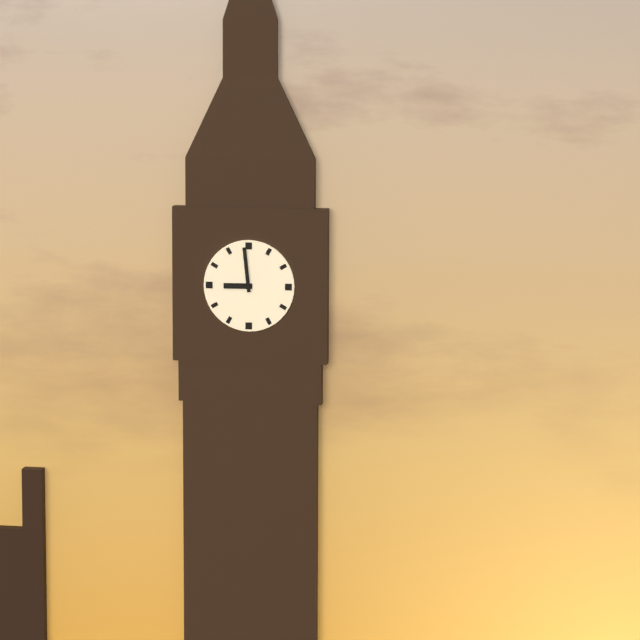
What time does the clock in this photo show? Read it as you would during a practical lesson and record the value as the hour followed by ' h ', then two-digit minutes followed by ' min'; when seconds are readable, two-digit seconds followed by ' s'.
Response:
8 h 59 min
